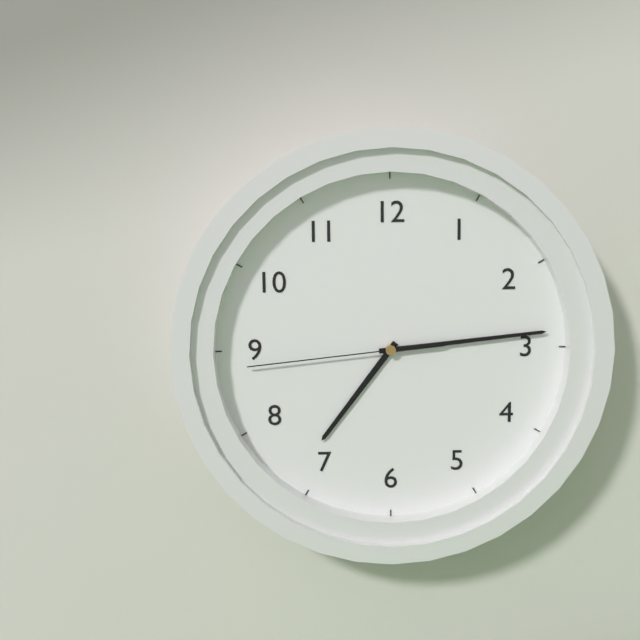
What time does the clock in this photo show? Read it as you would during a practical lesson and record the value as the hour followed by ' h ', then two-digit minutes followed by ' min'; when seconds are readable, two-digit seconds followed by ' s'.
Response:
7 h 14 min 44 s
